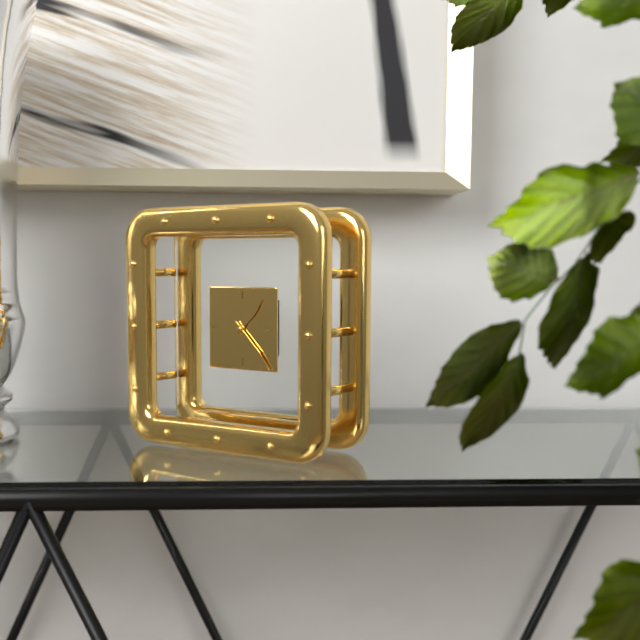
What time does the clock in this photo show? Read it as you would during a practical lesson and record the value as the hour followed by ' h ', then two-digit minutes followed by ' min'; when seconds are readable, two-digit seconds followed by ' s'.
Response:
1 h 23 min
